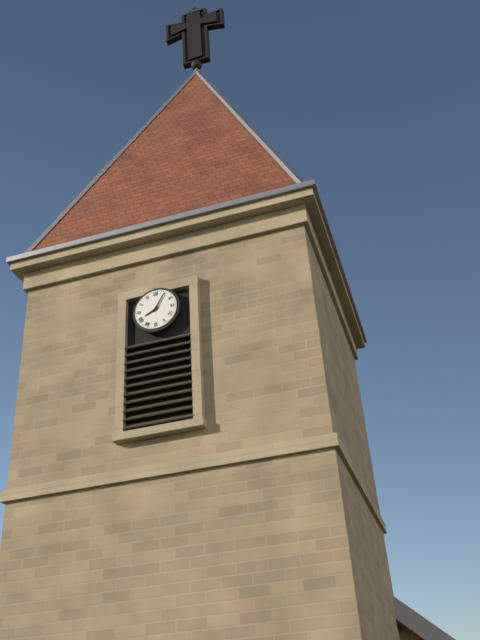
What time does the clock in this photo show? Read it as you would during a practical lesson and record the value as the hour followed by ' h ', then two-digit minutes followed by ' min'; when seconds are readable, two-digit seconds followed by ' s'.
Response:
8 h 05 min
